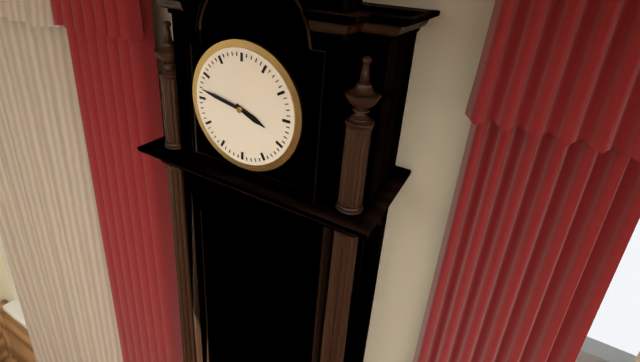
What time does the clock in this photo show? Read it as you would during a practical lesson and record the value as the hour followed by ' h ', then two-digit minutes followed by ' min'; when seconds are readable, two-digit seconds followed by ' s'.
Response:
3 h 47 min
